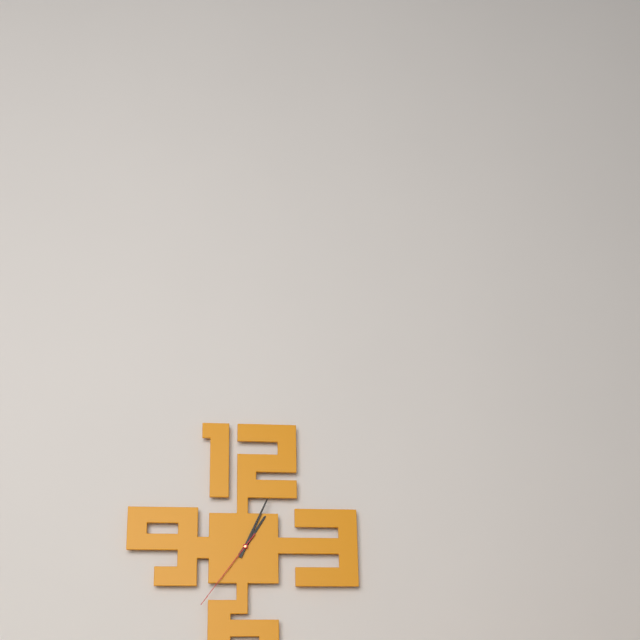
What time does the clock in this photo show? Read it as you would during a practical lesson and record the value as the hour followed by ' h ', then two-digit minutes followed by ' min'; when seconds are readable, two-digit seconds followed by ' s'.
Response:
1 h 04 min 36 s
